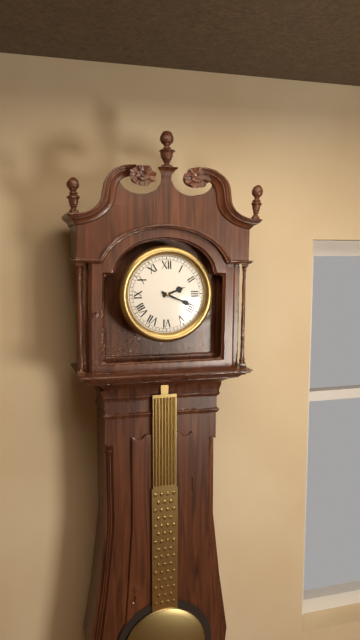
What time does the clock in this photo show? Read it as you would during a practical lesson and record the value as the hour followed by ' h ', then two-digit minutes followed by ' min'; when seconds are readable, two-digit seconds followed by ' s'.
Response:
2 h 19 min
